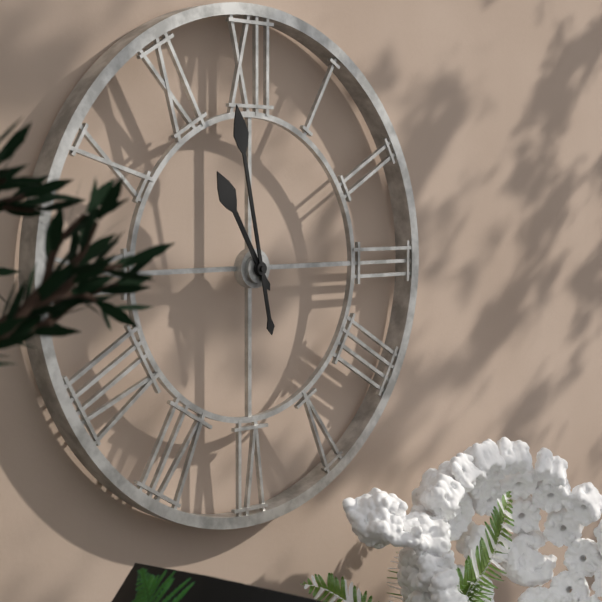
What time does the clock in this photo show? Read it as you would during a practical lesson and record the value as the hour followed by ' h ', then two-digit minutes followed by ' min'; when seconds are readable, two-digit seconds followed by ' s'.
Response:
10 h 58 min
